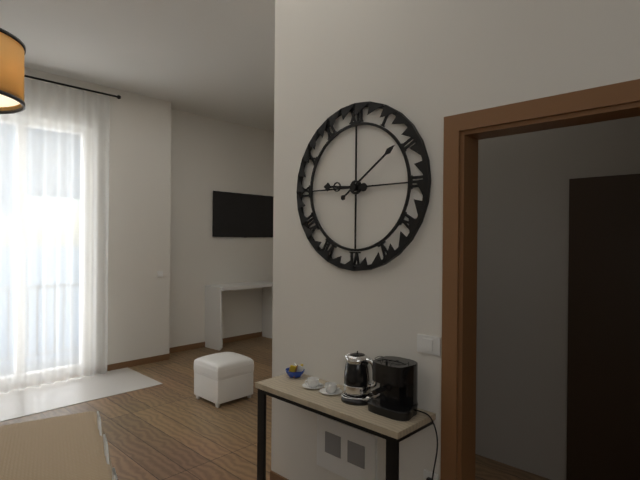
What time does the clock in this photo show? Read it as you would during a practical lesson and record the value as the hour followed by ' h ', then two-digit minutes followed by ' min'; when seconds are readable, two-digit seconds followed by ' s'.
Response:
9 h 09 min
